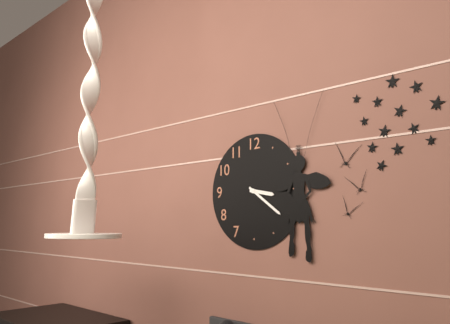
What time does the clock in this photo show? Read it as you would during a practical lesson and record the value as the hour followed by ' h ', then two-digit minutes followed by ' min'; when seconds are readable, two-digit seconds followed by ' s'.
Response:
3 h 21 min
